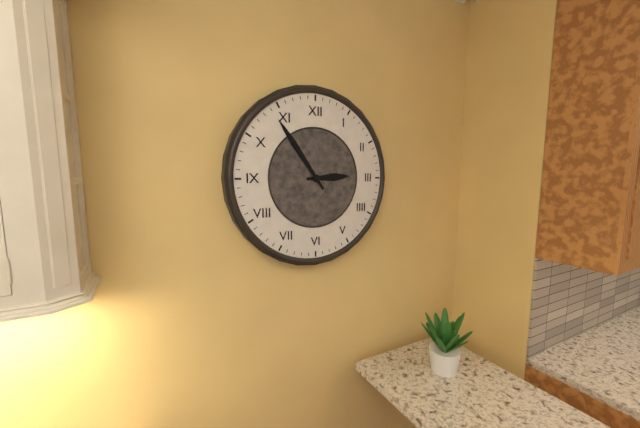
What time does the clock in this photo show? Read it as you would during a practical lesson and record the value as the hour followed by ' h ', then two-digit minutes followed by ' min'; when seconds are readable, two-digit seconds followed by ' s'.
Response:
2 h 54 min
